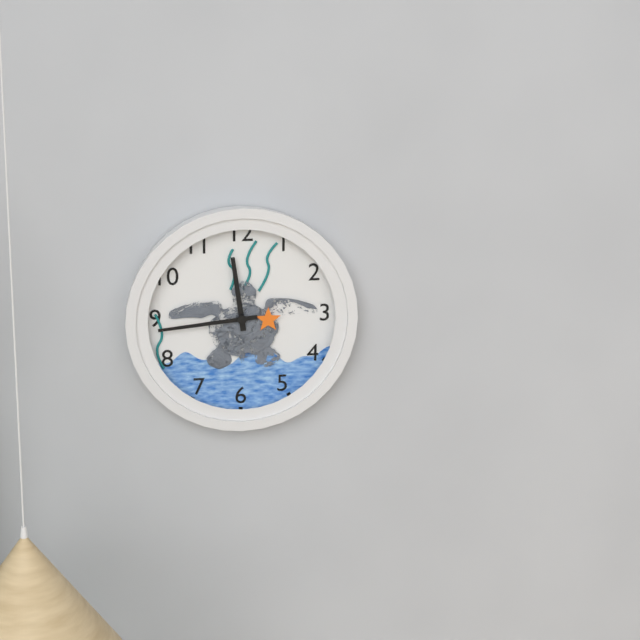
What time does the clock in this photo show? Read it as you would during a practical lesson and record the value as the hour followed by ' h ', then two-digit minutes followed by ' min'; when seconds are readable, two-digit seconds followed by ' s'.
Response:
11 h 44 min
